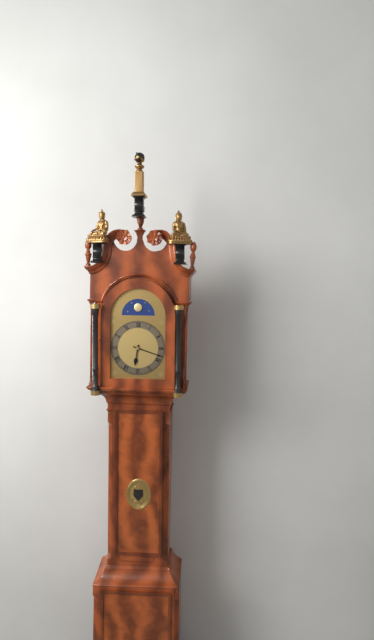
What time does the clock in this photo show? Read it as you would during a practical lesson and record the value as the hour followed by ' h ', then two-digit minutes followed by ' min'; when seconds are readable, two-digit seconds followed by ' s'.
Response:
6 h 18 min
